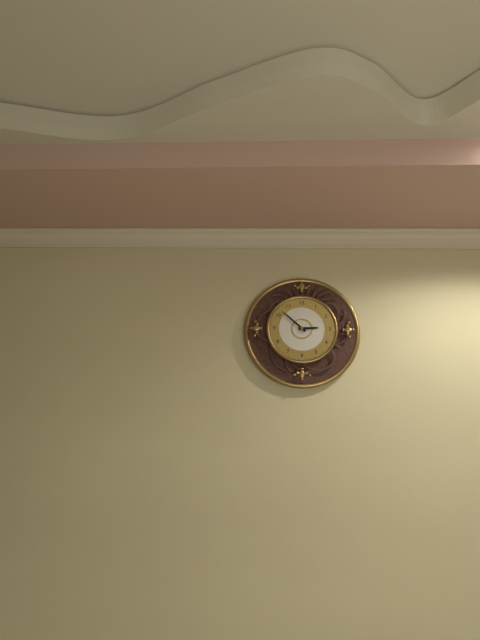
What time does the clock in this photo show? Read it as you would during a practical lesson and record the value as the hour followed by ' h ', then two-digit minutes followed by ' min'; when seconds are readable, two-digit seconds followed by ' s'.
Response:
2 h 52 min
